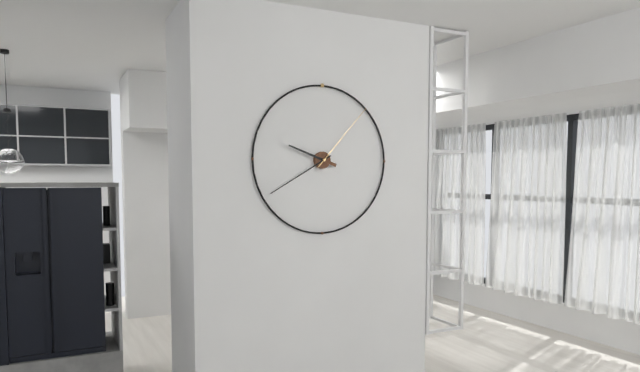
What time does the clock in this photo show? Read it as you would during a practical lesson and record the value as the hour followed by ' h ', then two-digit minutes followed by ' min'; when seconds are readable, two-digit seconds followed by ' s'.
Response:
9 h 40 min 07 s
